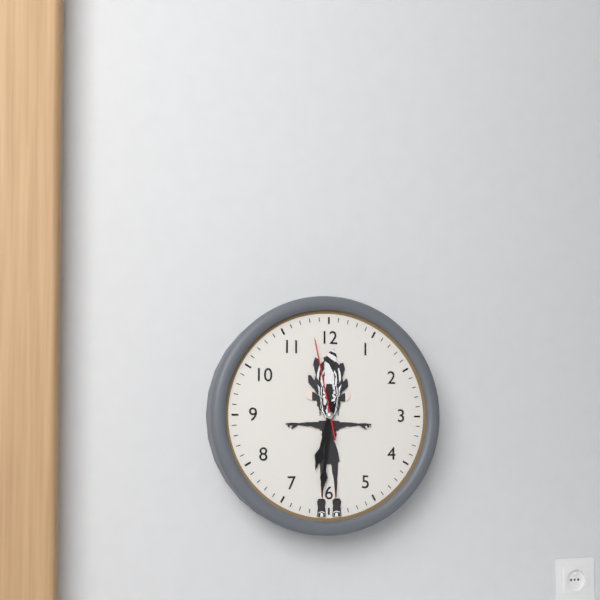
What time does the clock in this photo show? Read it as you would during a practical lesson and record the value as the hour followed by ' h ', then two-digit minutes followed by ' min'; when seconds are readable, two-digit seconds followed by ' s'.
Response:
6 h 31 min 58 s
